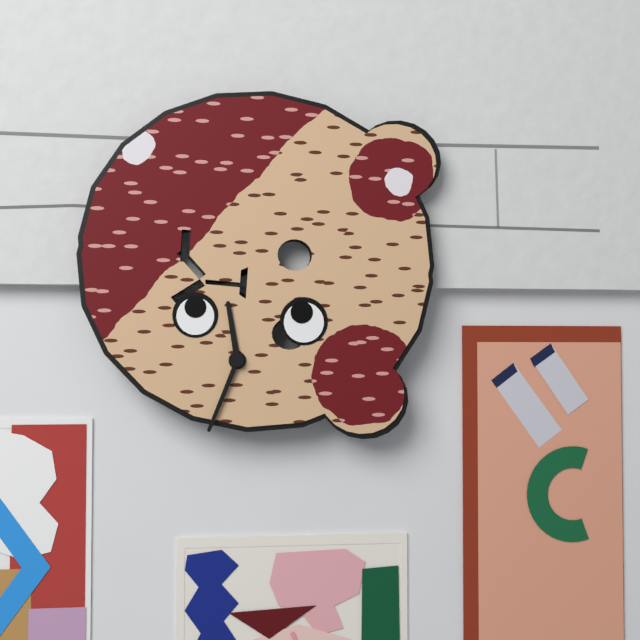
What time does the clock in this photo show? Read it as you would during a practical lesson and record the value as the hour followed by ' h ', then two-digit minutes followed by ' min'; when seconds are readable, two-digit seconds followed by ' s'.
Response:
11 h 33 min
